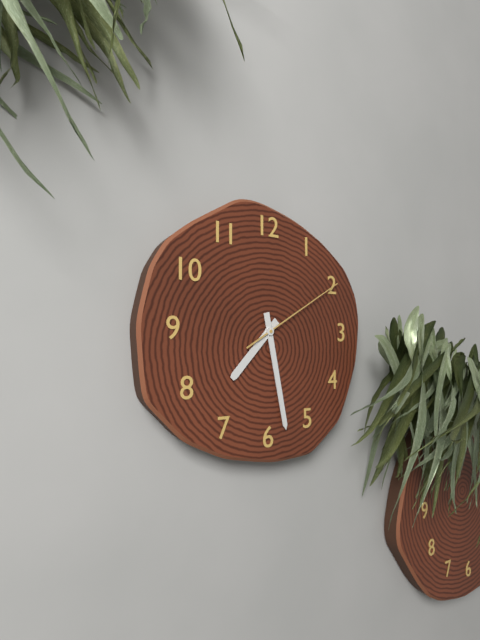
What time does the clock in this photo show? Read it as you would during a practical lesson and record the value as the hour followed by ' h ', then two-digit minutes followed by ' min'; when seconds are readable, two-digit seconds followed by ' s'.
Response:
7 h 28 min 10 s
